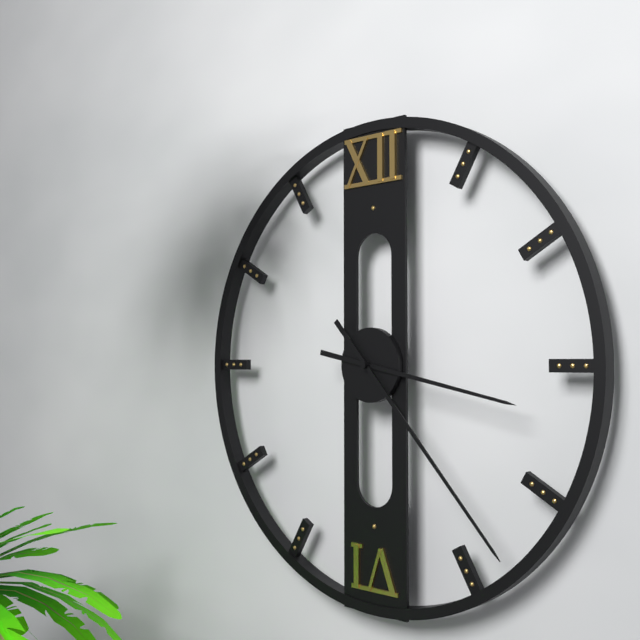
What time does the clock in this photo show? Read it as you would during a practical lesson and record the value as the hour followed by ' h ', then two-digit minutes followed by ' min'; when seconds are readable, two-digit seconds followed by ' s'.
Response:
3 h 23 min
